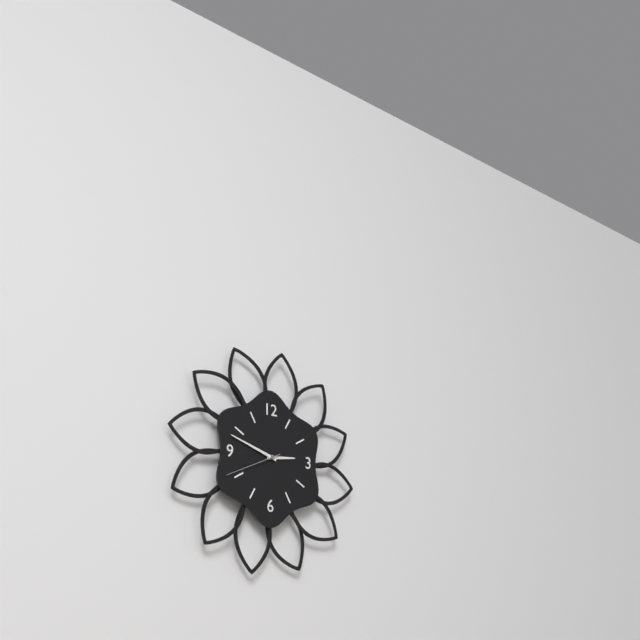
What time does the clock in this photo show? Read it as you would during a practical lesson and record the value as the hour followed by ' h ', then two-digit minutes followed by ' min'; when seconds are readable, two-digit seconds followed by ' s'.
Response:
2 h 48 min 41 s
